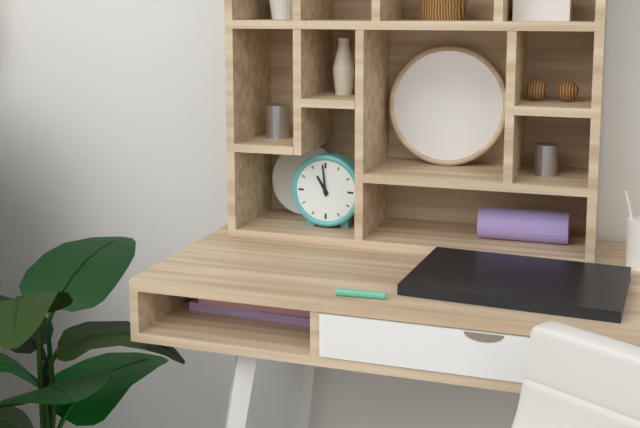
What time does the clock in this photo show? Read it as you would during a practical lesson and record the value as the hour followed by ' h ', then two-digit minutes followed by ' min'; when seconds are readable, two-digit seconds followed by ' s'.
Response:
10 h 59 min
